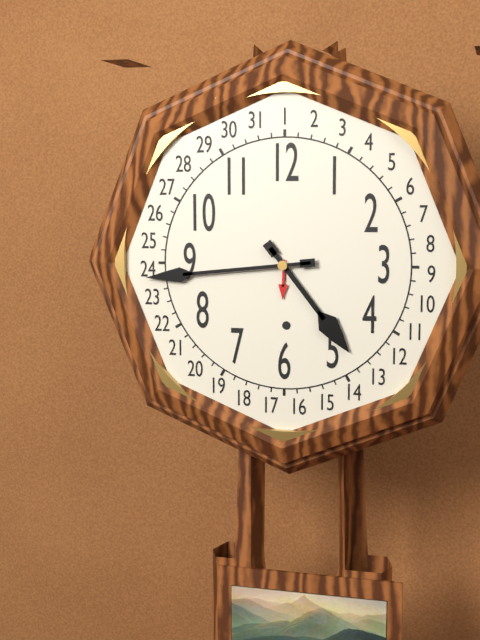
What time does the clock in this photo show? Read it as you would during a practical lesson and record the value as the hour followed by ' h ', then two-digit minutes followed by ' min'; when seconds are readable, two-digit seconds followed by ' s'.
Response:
4 h 44 min
